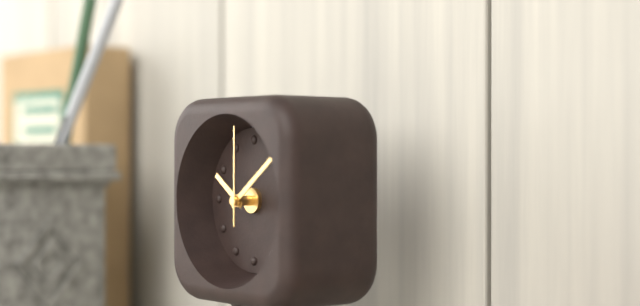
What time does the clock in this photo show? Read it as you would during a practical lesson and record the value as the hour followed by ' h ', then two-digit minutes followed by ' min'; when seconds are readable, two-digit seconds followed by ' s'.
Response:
10 h 09 min 00 s
